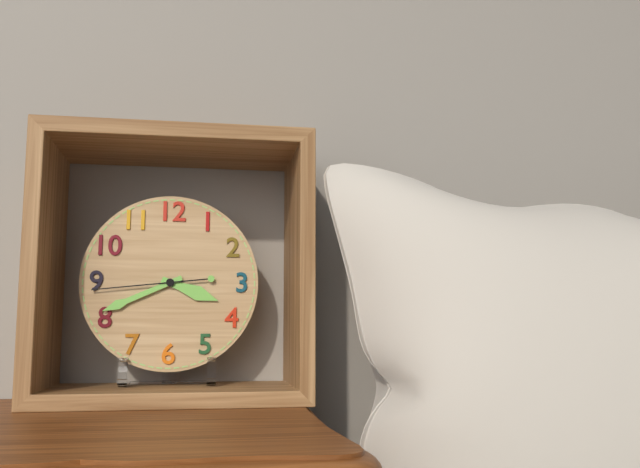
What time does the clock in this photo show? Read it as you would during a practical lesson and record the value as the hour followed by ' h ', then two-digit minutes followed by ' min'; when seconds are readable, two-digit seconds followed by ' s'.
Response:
3 h 41 min 44 s
